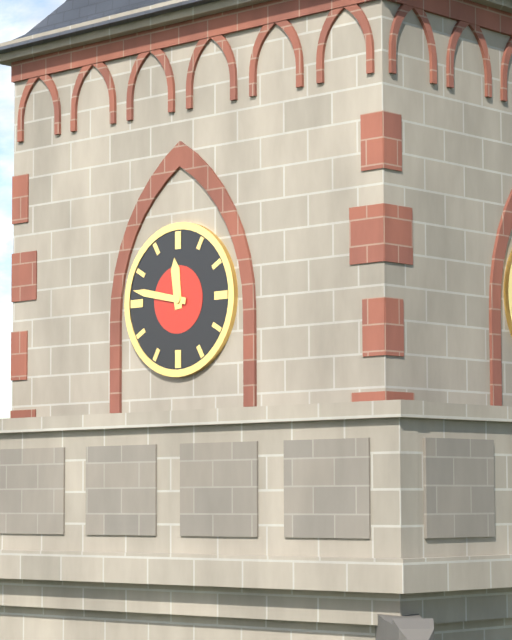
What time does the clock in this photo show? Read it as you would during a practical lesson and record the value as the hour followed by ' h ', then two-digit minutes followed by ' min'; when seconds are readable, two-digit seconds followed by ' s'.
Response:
11 h 47 min
